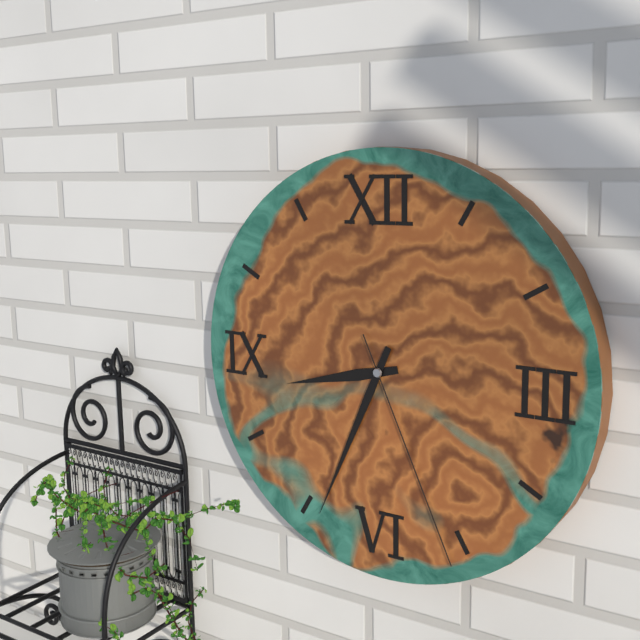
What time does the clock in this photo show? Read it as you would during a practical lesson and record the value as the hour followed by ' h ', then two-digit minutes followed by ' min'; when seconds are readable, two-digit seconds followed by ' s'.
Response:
8 h 34 min 26 s
